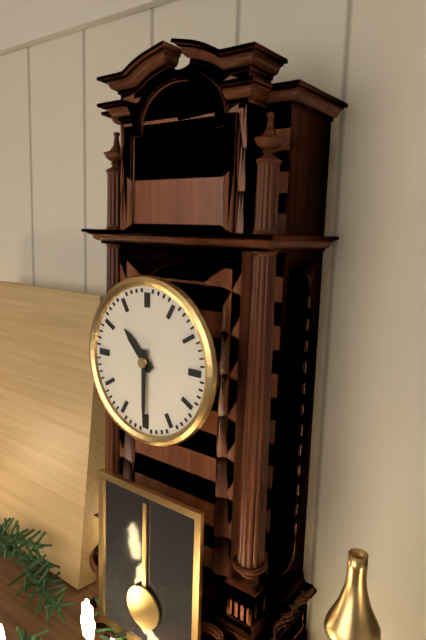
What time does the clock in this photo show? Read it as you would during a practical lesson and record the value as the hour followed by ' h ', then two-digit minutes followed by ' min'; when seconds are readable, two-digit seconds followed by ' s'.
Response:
10 h 30 min
